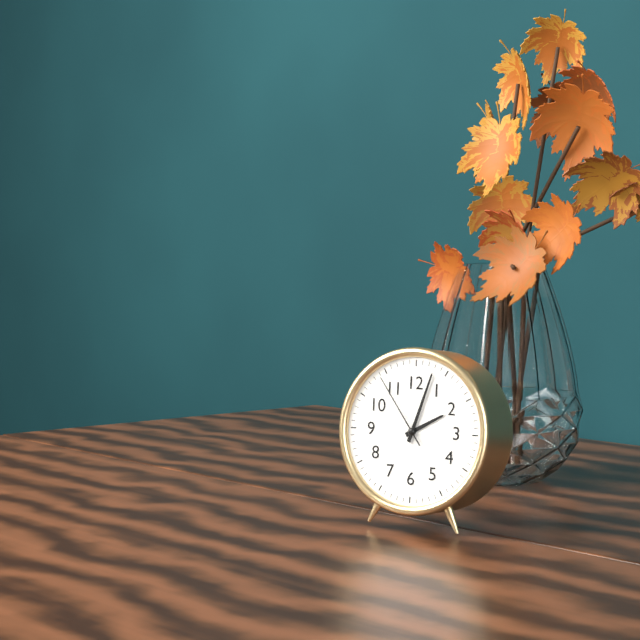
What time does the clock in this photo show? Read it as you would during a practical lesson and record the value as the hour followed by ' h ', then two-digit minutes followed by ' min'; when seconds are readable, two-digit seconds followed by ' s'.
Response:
2 h 03 min 54 s
